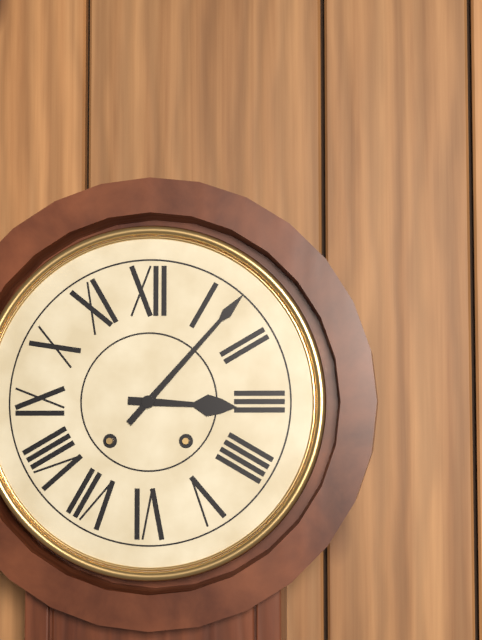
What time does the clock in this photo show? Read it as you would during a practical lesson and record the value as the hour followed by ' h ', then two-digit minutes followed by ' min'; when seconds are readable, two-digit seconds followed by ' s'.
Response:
3 h 07 min
